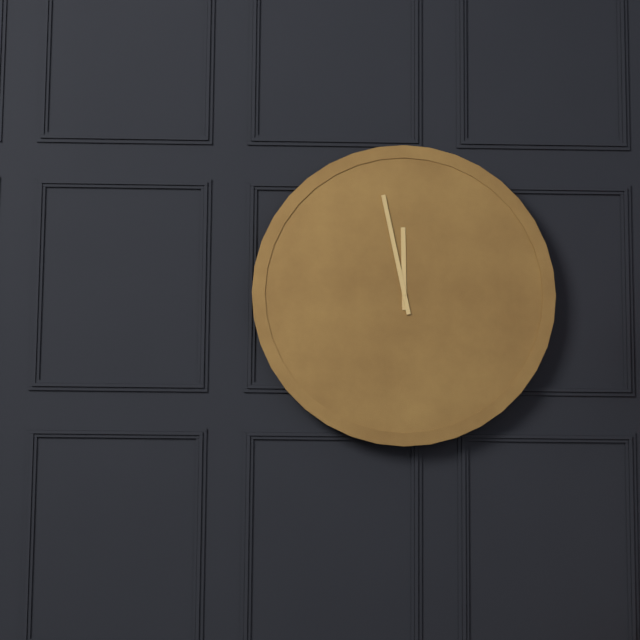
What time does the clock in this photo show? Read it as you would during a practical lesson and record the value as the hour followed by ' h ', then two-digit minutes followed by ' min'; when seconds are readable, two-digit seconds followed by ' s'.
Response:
11 h 58 min
